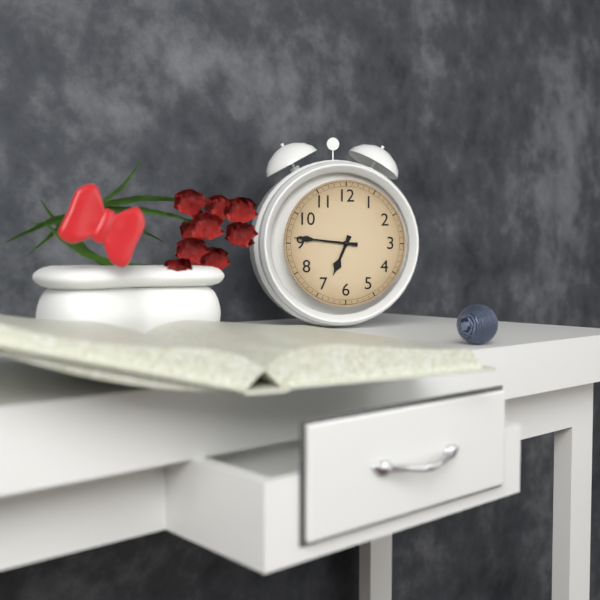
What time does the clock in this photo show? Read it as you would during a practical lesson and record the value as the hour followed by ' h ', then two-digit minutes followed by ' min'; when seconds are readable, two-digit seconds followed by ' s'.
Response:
6 h 46 min
